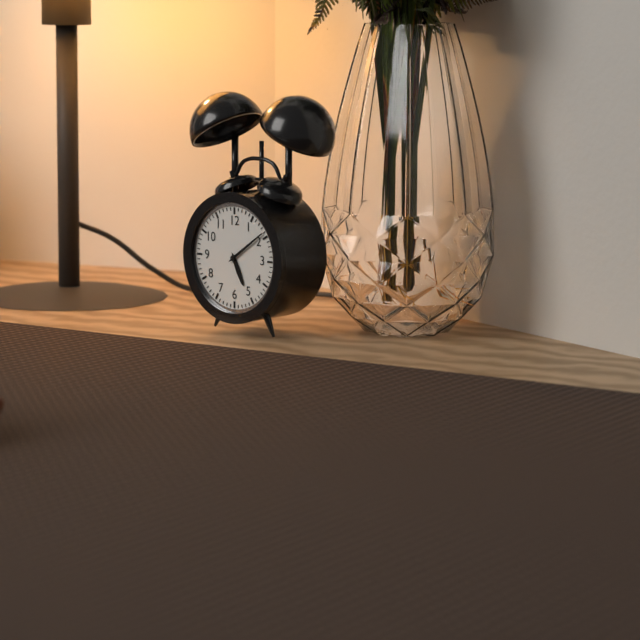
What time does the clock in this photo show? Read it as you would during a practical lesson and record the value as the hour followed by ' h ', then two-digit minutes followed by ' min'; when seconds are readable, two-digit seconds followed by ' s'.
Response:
5 h 09 min
